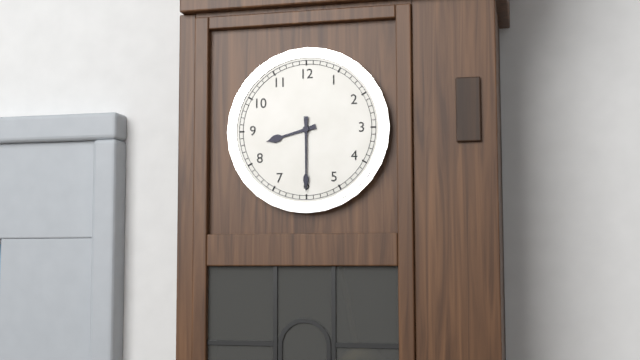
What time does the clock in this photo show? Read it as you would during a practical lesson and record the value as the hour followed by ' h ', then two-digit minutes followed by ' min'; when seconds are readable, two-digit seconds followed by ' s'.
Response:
8 h 30 min
